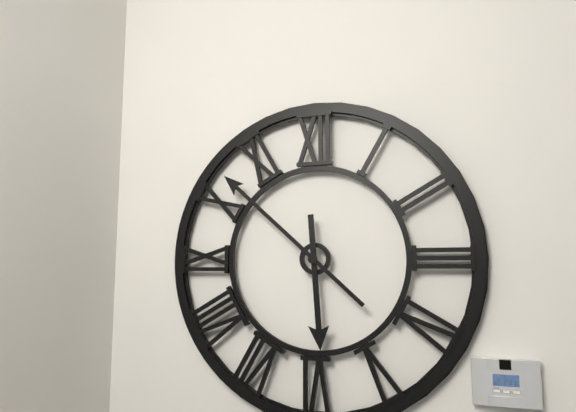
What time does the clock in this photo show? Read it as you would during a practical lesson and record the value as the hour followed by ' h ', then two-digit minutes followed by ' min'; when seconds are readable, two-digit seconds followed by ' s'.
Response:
5 h 52 min
